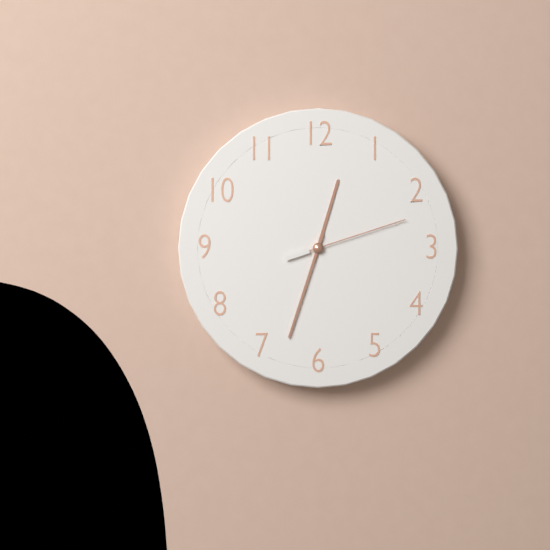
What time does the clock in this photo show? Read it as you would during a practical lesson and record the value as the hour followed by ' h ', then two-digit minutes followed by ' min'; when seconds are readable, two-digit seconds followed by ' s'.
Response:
12 h 33 min 12 s
